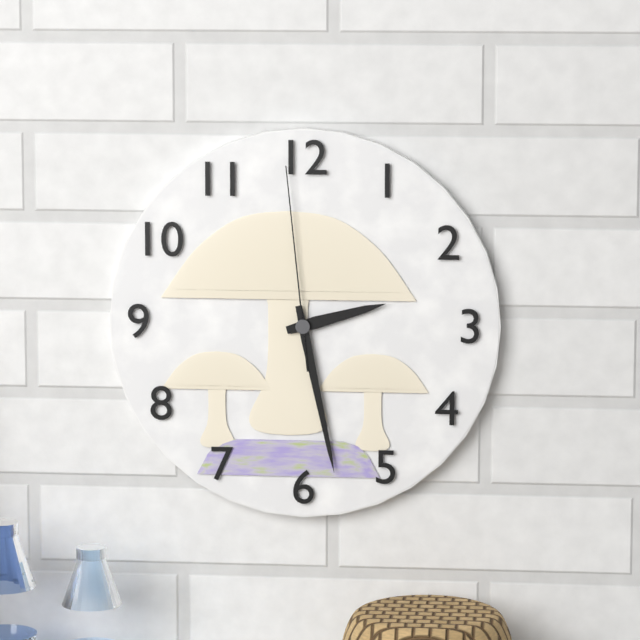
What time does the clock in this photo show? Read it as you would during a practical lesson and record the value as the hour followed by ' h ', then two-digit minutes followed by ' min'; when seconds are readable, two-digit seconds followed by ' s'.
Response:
2 h 28 min 59 s
